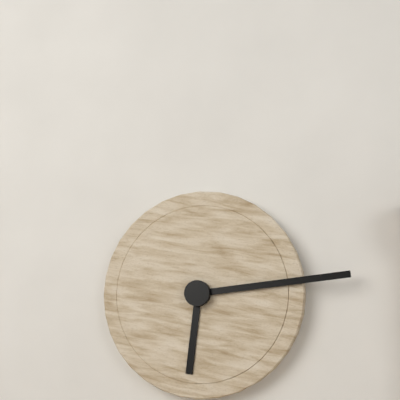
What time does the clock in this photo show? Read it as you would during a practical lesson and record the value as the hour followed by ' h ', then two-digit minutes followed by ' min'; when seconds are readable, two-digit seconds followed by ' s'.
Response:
6 h 14 min
